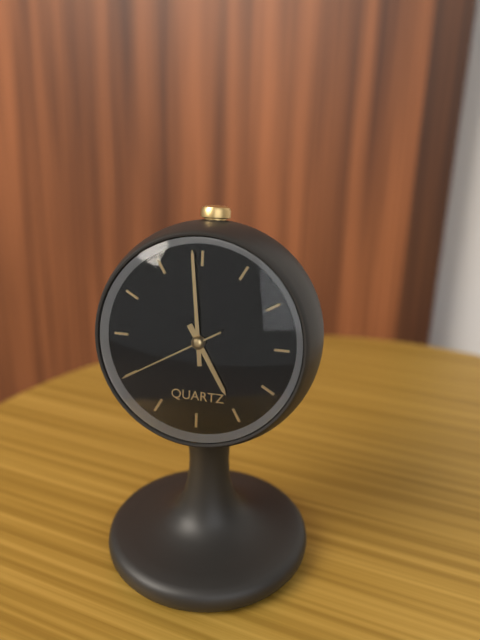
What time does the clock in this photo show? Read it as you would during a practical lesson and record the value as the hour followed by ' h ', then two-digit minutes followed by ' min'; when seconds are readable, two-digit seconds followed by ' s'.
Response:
4 h 59 min 40 s
